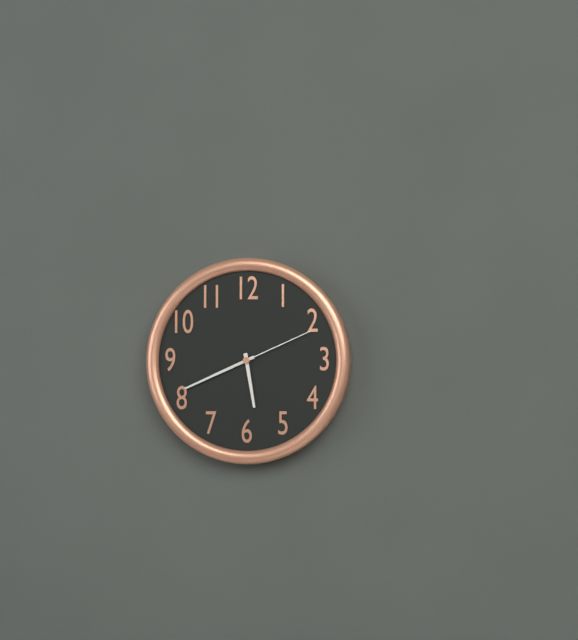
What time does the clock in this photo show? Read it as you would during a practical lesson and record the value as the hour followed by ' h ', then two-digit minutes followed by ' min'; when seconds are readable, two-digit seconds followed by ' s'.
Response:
5 h 41 min 11 s
